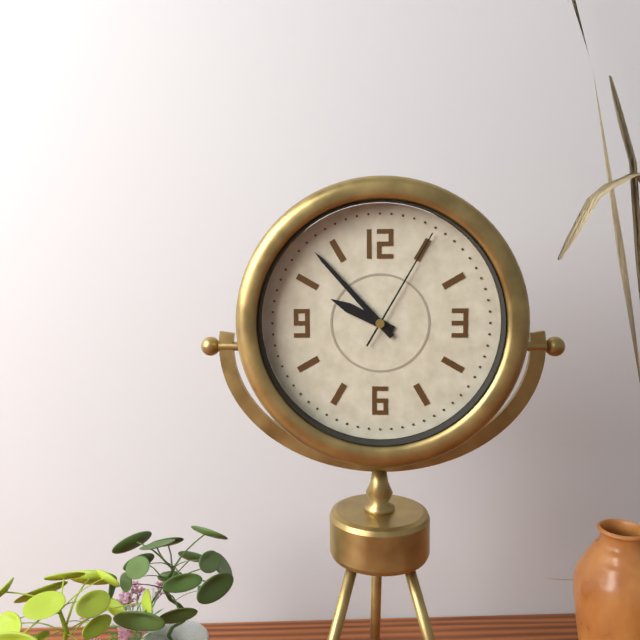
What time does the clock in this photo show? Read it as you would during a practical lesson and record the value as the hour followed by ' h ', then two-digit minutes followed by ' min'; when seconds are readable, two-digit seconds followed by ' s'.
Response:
9 h 53 min 05 s
